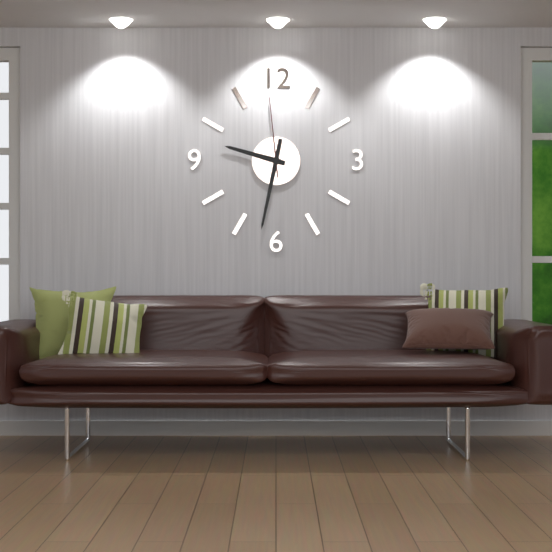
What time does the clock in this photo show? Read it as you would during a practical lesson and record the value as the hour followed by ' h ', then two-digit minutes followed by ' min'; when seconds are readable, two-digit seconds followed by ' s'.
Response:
9 h 32 min 59 s
